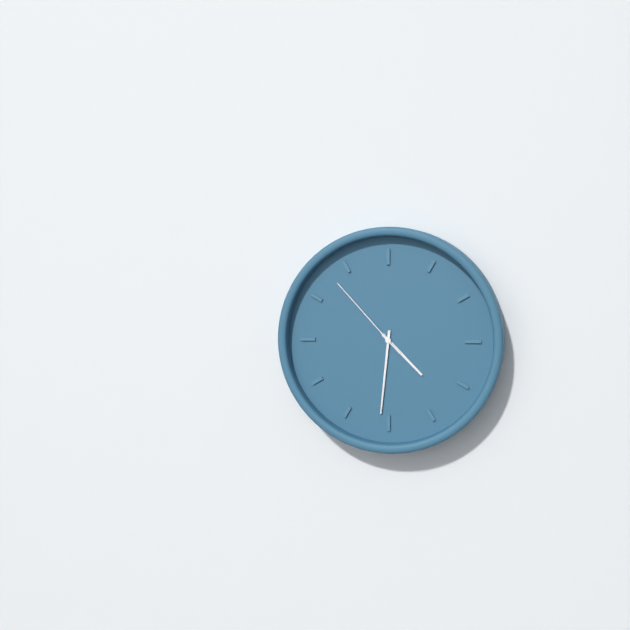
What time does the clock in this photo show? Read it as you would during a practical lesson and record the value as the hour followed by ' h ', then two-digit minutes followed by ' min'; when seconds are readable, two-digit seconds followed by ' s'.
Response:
4 h 31 min 53 s
